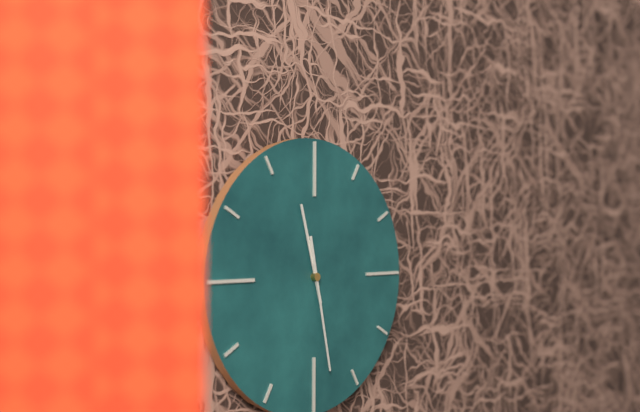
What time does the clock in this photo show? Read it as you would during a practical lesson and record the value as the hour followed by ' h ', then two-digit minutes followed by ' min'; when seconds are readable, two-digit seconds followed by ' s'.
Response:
11 h 28 min
